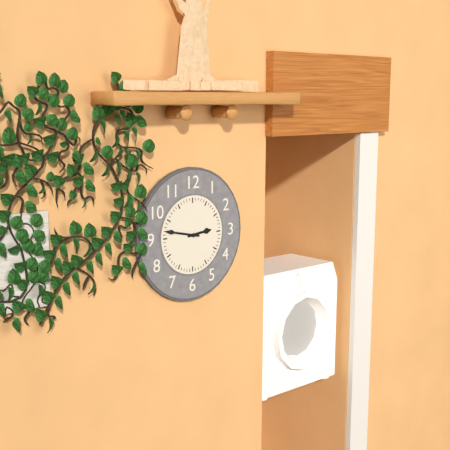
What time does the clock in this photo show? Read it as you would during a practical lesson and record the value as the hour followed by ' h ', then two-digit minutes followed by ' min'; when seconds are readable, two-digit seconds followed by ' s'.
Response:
2 h 47 min
